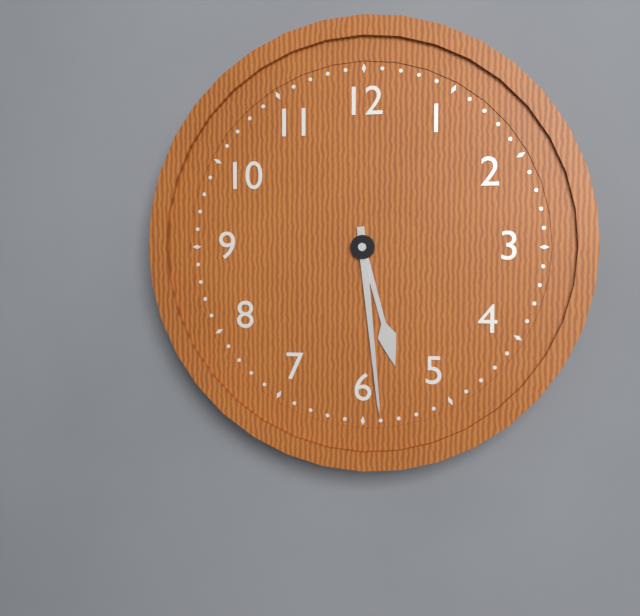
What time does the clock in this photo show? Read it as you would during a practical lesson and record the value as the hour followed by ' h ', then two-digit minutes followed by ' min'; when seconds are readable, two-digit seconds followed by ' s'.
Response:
5 h 29 min
